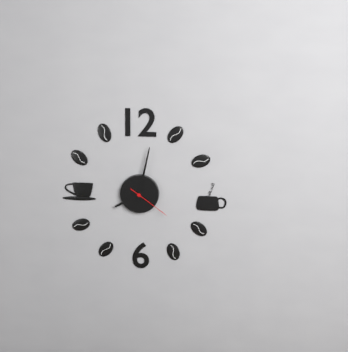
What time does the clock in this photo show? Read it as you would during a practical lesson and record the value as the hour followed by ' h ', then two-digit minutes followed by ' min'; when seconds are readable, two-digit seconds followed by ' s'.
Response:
8 h 02 min
